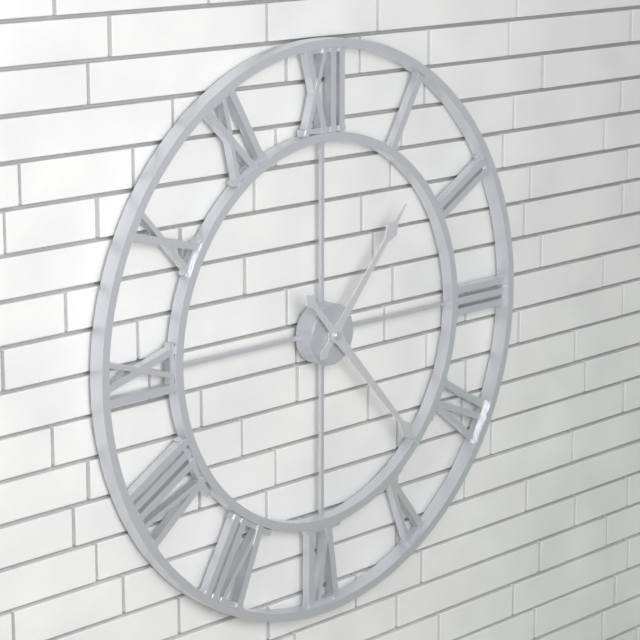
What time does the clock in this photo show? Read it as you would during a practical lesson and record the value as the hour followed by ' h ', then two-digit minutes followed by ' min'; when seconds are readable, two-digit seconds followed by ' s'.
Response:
1 h 23 min
